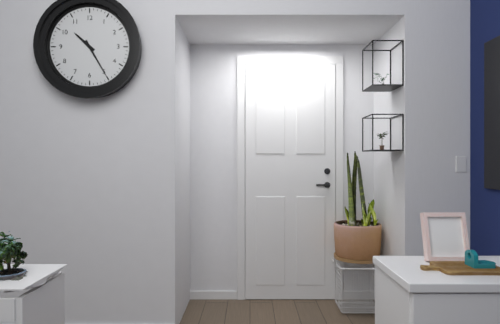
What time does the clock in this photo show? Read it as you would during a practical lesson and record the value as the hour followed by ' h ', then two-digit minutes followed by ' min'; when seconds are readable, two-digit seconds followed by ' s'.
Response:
10 h 25 min
